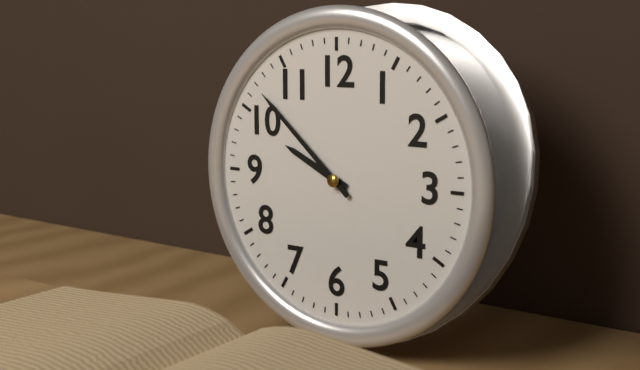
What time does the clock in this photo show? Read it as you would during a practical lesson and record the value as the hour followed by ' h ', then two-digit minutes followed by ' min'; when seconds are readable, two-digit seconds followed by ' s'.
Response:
9 h 52 min
